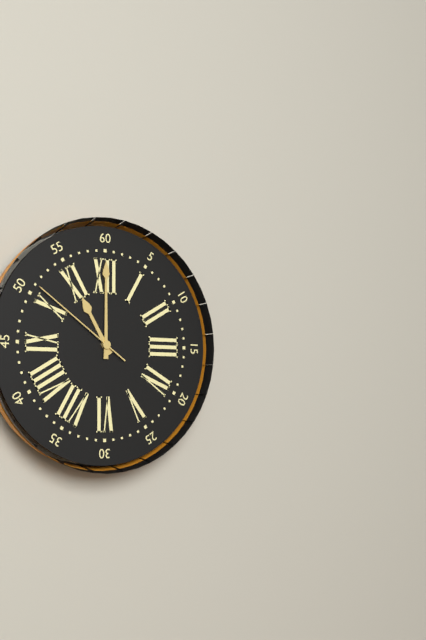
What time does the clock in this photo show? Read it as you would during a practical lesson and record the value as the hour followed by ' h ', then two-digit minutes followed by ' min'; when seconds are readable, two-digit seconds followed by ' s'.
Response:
11 h 00 min 51 s
